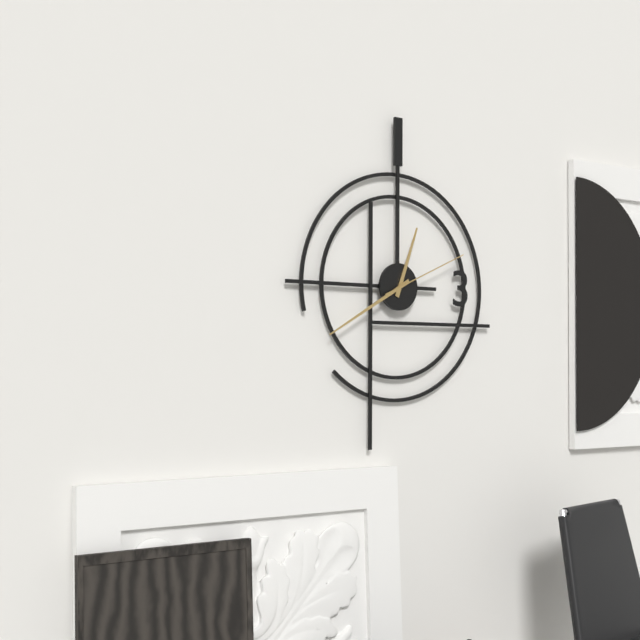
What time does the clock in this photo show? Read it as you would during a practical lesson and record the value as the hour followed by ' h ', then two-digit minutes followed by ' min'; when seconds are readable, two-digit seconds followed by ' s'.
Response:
12 h 40 min 11 s
